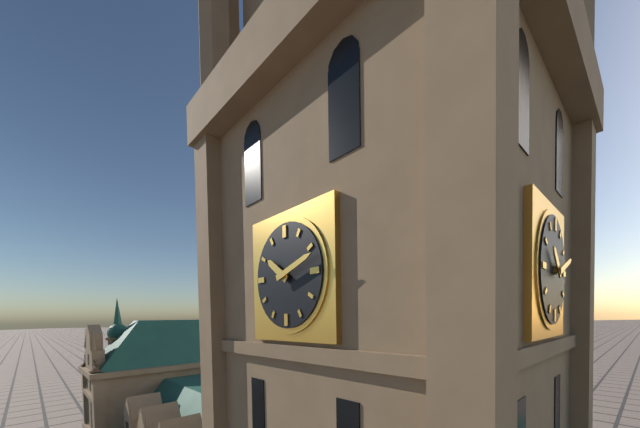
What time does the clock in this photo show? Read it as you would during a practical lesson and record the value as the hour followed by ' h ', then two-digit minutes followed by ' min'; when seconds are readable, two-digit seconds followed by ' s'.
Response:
10 h 12 min
